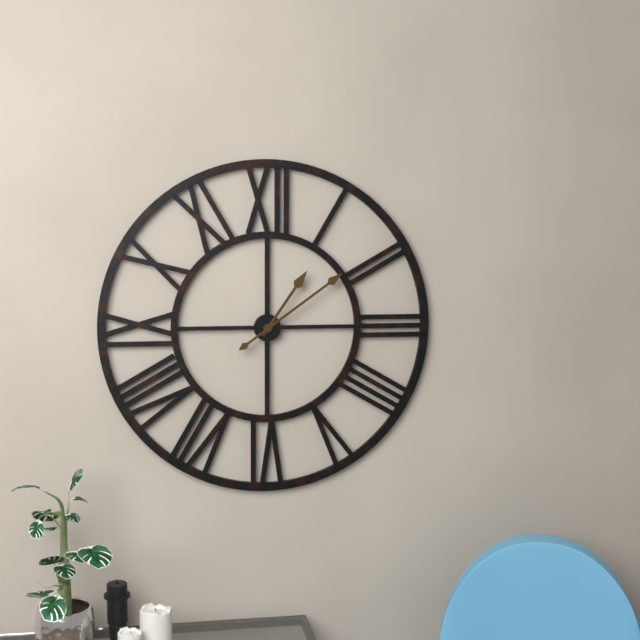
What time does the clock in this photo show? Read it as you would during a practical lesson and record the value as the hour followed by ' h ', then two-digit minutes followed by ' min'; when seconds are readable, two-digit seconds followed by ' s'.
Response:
1 h 09 min
